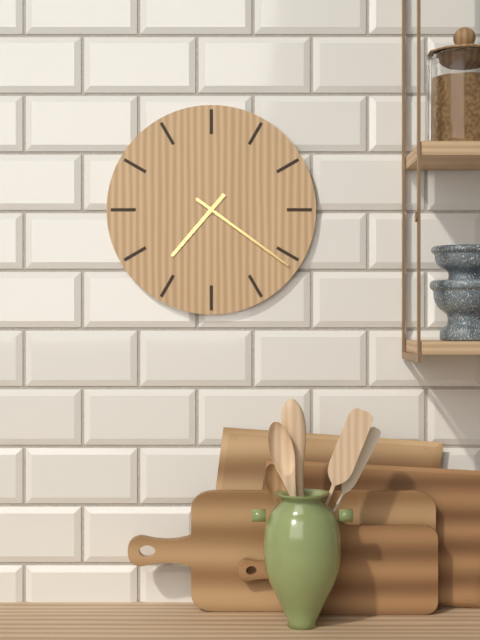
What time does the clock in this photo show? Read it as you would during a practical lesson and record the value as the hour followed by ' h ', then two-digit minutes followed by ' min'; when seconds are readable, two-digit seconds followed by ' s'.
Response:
7 h 21 min
